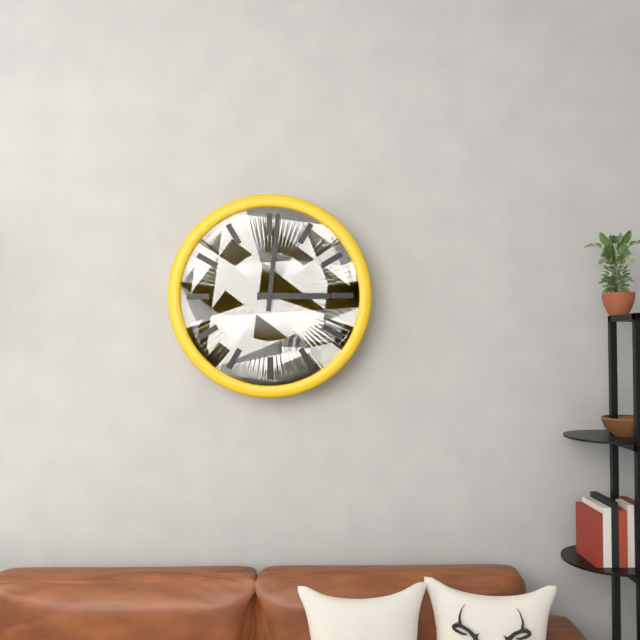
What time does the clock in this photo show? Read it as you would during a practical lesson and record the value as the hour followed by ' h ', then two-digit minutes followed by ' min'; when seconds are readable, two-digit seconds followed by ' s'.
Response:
3 h 01 min
